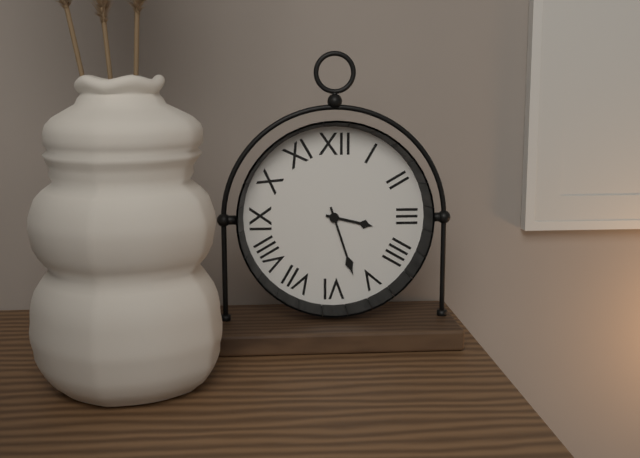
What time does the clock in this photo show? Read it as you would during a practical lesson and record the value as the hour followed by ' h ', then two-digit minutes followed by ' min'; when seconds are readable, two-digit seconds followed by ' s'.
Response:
3 h 27 min
